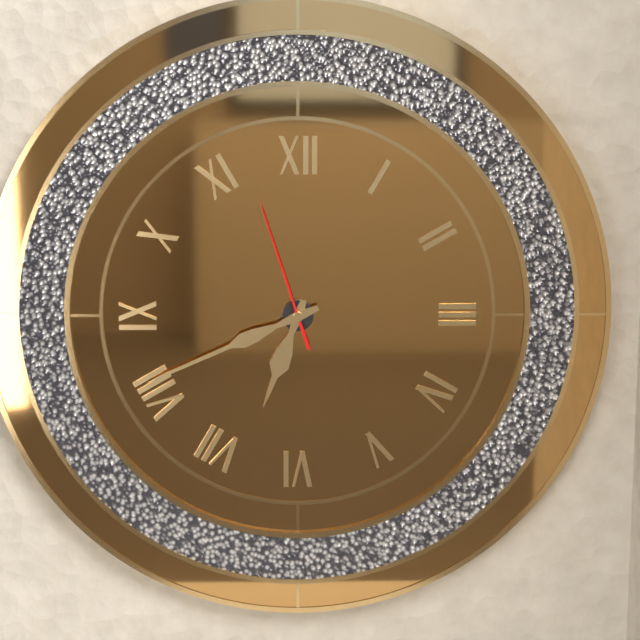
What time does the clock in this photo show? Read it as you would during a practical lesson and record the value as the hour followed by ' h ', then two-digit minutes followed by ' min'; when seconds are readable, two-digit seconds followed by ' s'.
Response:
6 h 41 min 57 s
